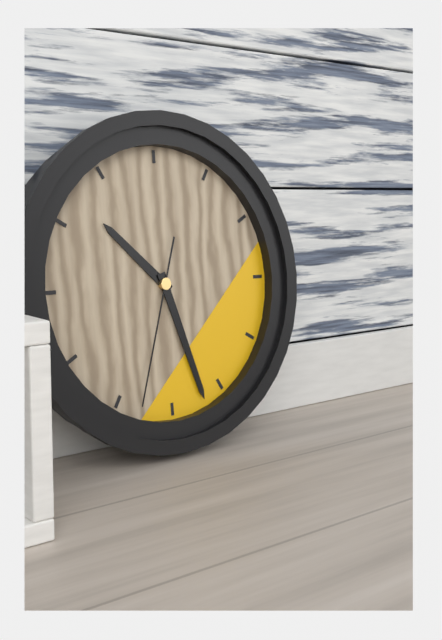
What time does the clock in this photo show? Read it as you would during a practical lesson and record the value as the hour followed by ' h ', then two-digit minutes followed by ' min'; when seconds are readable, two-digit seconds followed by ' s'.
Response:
10 h 27 min 33 s
